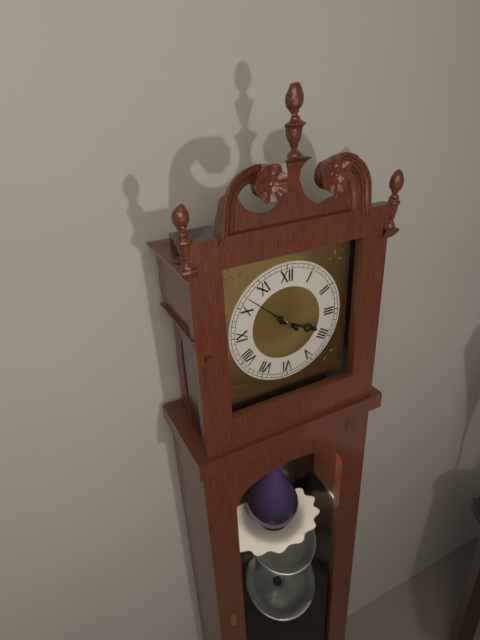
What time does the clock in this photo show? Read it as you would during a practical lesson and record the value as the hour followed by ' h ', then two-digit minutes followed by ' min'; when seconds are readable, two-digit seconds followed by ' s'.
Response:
3 h 52 min
